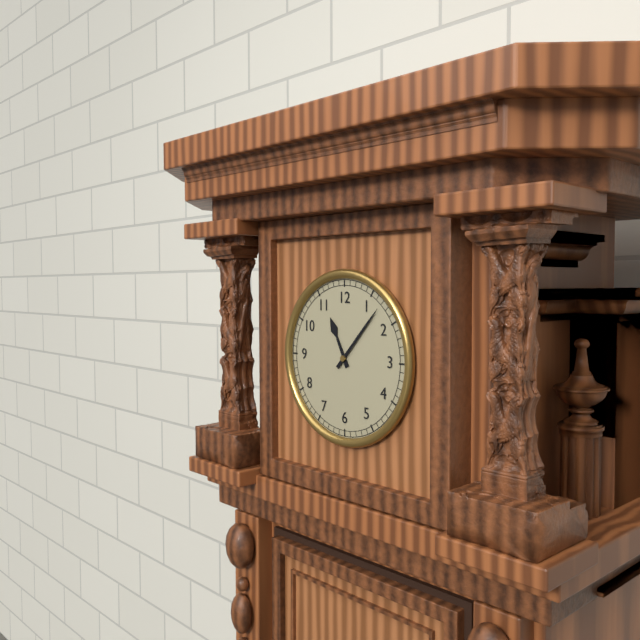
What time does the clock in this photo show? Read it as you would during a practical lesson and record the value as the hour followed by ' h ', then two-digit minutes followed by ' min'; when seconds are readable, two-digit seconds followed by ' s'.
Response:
11 h 07 min
